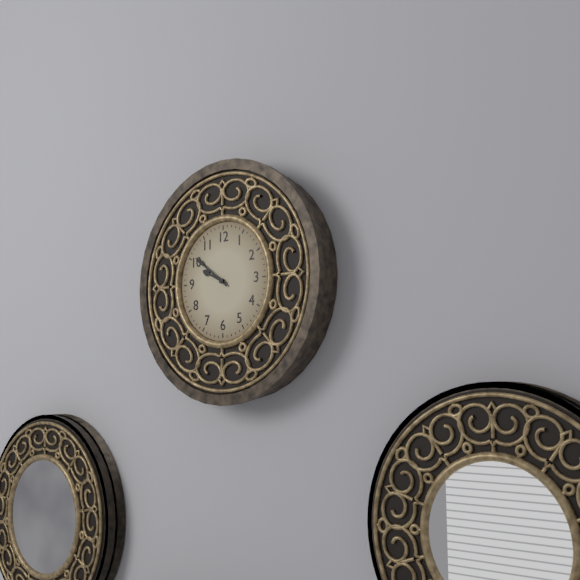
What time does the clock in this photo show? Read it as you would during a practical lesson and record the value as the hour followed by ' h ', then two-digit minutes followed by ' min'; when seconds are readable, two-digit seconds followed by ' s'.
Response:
9 h 51 min
